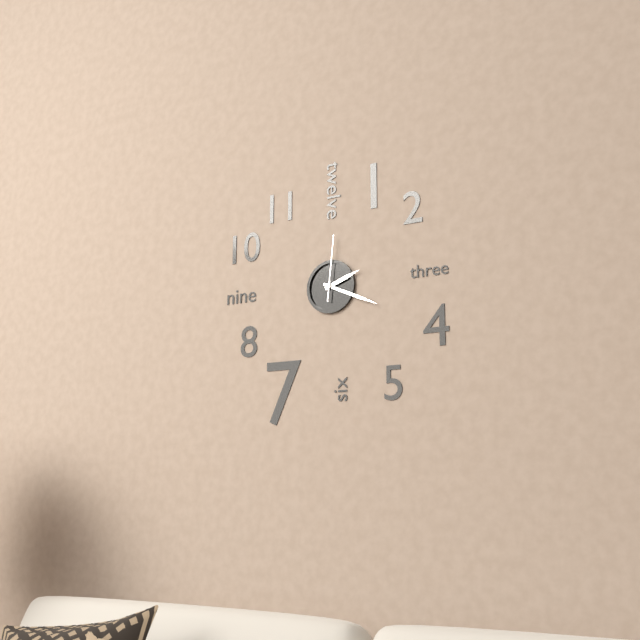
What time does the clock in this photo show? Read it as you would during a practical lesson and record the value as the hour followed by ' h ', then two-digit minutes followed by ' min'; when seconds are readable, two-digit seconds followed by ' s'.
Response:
2 h 19 min 01 s
